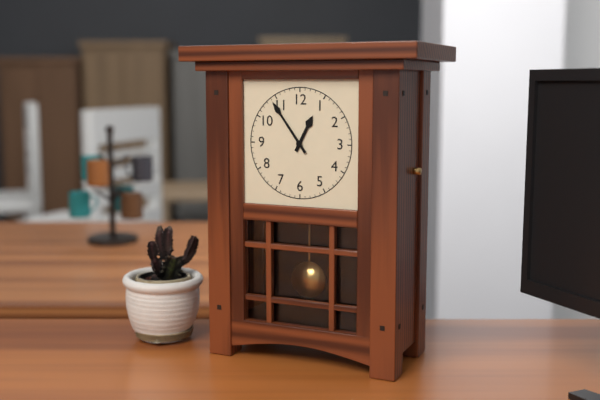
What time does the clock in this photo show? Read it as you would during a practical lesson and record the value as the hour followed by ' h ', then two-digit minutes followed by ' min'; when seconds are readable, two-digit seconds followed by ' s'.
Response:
12 h 54 min
